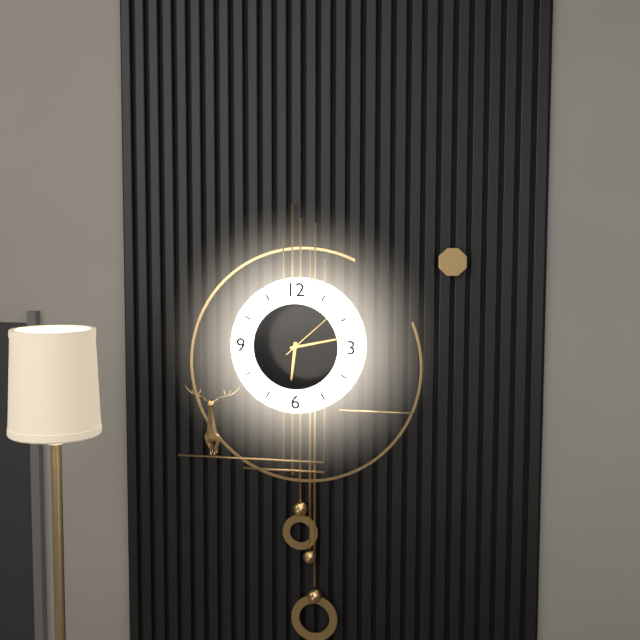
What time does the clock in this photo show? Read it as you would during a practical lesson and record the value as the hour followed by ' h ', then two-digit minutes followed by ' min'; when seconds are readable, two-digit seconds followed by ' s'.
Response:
6 h 13 min 08 s
